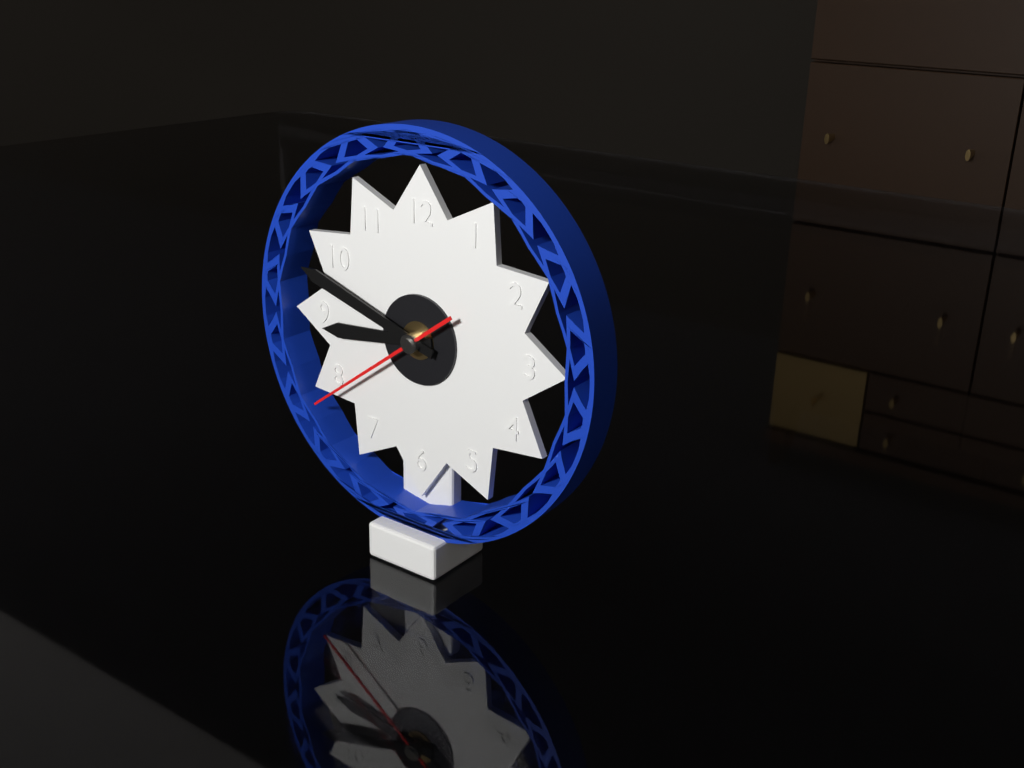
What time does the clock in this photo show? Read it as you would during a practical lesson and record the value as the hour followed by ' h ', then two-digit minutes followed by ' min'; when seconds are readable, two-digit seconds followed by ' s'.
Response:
8 h 48 min 39 s
